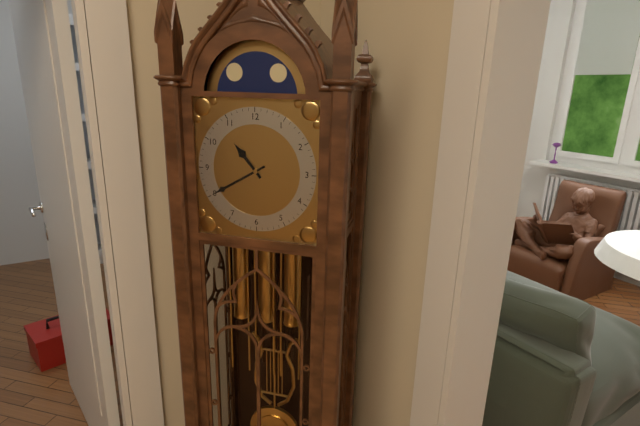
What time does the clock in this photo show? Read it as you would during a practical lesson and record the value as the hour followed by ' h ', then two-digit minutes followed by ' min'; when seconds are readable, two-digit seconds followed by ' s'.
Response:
10 h 40 min
